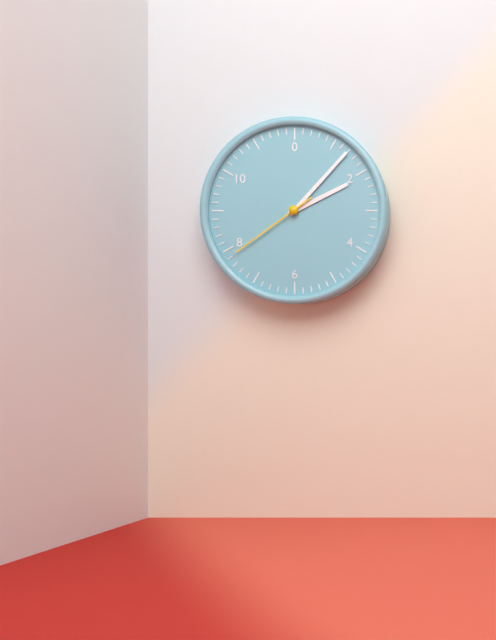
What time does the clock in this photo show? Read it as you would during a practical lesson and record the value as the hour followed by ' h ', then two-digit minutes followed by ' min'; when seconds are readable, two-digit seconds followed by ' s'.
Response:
2 h 07 min 39 s
